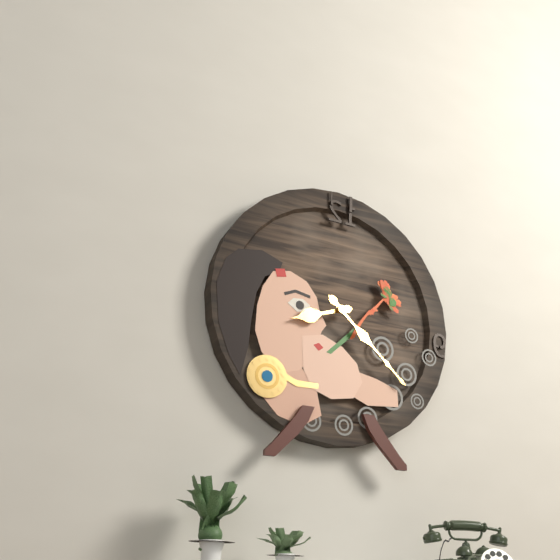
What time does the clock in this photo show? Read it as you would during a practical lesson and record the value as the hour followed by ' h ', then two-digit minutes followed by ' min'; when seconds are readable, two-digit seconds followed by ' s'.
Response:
8 h 22 min
